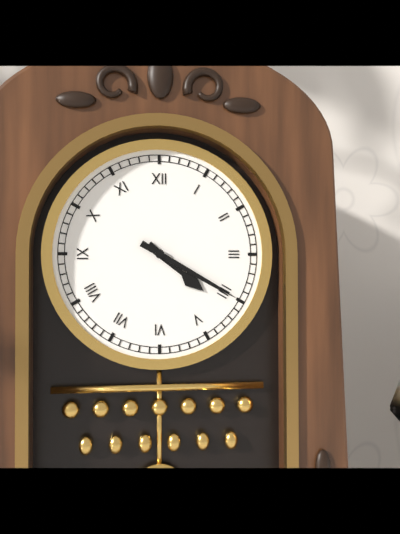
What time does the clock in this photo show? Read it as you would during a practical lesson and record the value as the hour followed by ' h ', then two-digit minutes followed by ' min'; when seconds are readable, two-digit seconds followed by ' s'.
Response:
4 h 20 min
